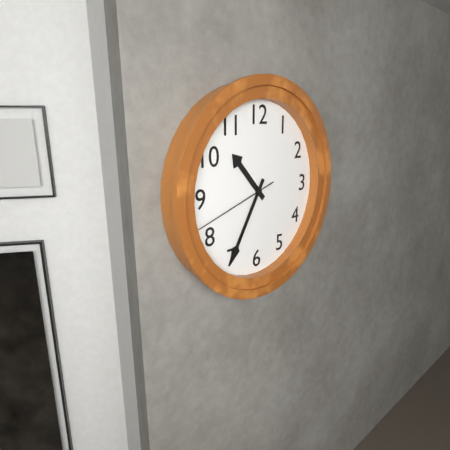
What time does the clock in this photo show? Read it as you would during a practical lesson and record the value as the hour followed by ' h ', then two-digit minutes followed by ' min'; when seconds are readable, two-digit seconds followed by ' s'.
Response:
10 h 35 min 42 s
